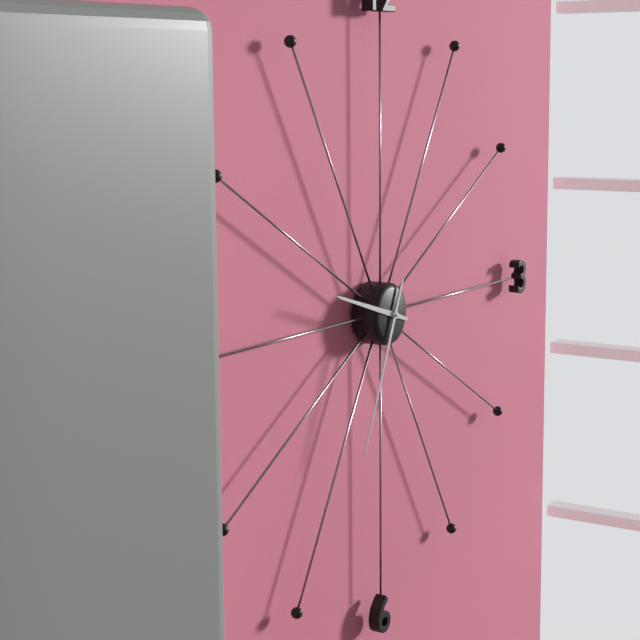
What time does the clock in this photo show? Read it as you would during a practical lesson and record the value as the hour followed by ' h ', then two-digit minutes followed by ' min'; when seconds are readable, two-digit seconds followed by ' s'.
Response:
9 h 34 min
